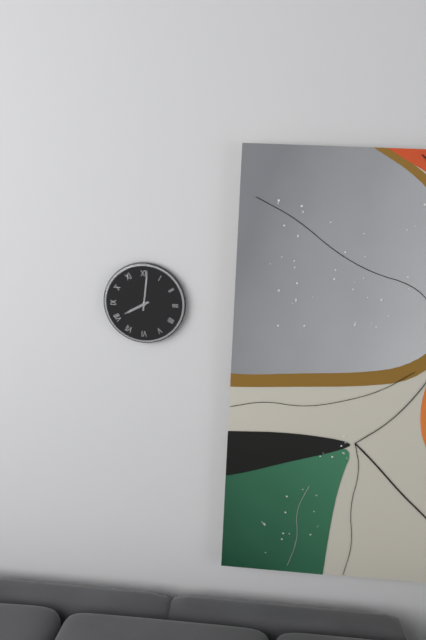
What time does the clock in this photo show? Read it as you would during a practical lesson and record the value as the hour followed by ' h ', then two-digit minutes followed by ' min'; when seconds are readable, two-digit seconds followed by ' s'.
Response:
8 h 01 min
